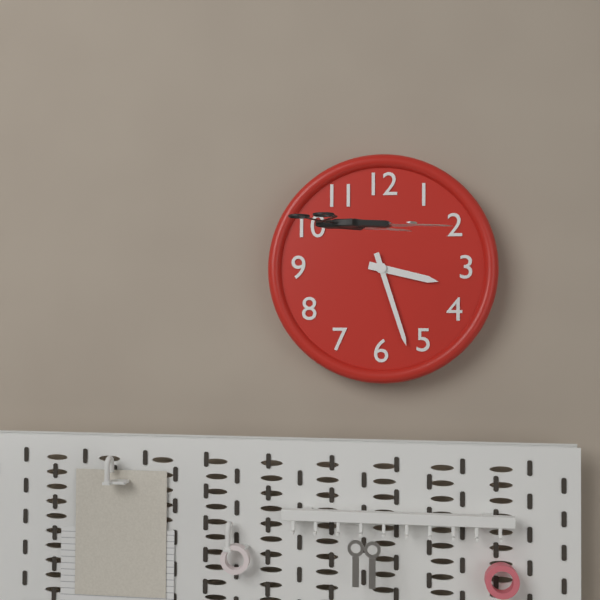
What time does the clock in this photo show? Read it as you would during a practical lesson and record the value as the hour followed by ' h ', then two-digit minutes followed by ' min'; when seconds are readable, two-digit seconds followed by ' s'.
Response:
3 h 27 min
